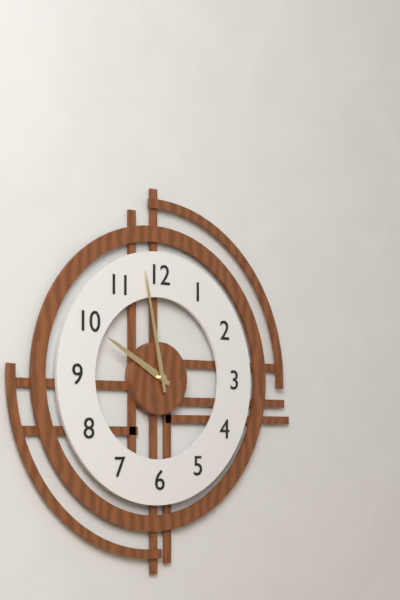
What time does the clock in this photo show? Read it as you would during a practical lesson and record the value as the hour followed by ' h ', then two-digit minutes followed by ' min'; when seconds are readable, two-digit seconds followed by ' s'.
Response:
9 h 58 min
